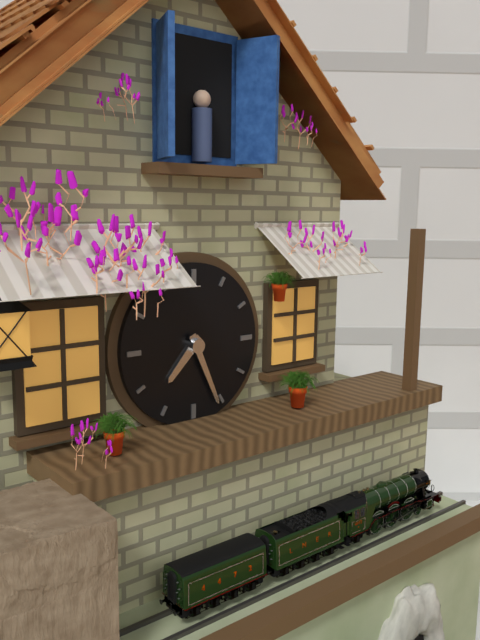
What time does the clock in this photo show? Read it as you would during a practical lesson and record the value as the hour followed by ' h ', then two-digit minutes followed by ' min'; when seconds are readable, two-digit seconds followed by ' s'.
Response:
7 h 26 min
